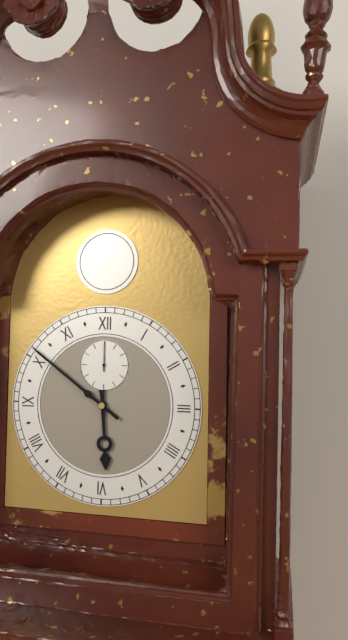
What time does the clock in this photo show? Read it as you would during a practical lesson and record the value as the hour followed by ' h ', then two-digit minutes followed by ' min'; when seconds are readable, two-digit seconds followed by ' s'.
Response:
5 h 51 min
